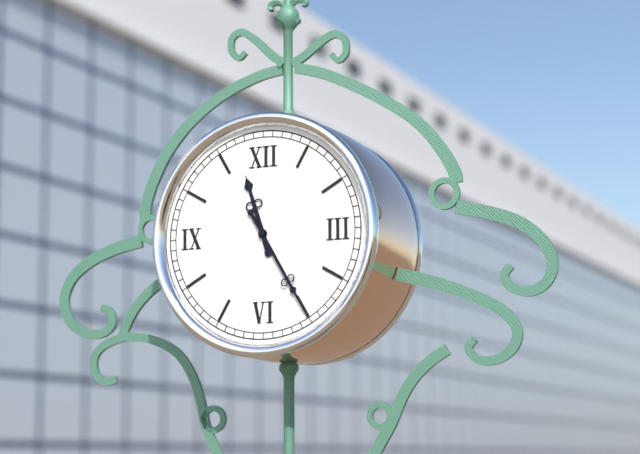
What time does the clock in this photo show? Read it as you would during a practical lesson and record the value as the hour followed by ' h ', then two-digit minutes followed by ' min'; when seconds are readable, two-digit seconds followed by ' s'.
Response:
11 h 25 min
